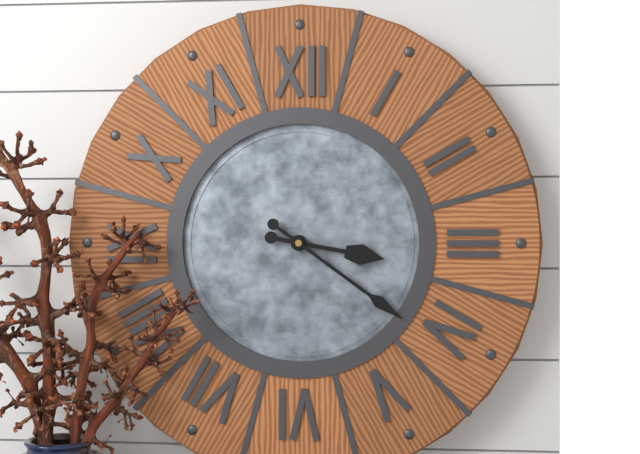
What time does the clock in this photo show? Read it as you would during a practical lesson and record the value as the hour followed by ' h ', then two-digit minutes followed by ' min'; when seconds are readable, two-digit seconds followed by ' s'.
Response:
3 h 21 min
